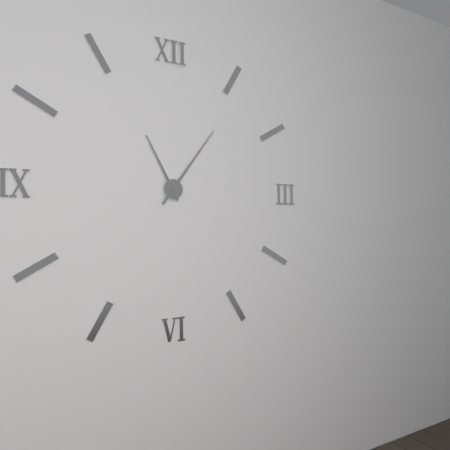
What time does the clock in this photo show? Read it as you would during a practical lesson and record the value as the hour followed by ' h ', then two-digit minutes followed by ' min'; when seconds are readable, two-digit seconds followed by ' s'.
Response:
11 h 06 min
